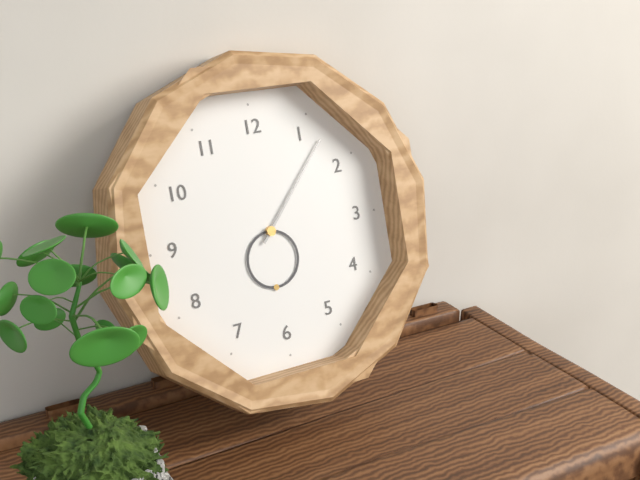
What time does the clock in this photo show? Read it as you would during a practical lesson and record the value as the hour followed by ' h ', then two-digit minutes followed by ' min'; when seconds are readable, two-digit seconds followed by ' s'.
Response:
6 h 07 min
